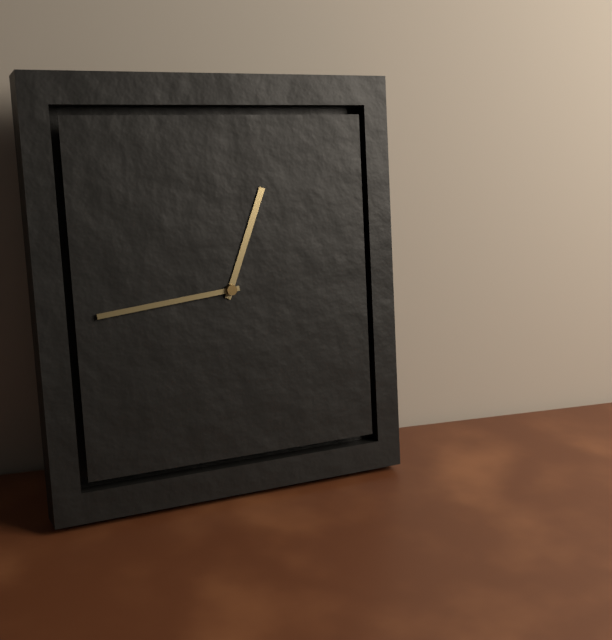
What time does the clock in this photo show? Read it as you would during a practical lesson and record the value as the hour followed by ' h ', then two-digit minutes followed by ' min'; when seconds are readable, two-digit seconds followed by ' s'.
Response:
12 h 44 min
